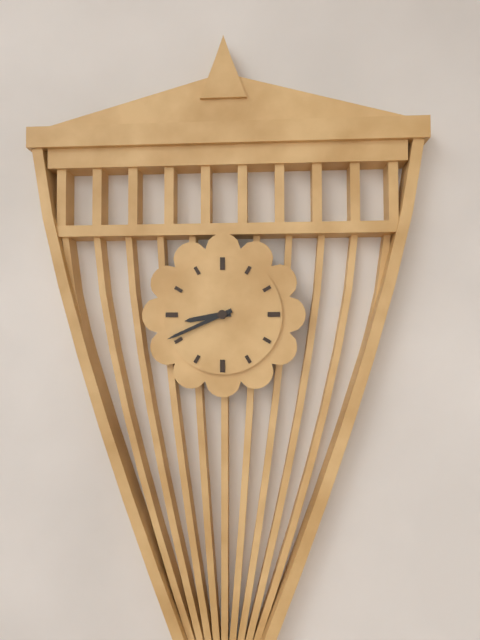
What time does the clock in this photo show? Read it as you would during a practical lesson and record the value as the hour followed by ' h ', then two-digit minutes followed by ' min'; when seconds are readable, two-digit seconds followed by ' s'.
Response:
8 h 41 min
